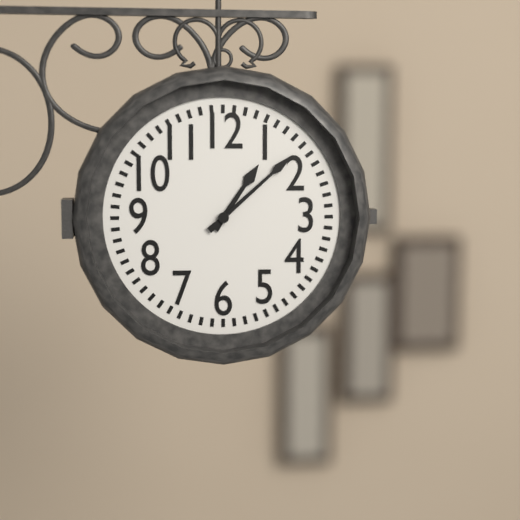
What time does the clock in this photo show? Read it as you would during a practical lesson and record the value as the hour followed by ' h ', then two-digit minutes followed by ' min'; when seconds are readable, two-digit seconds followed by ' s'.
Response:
1 h 08 min
